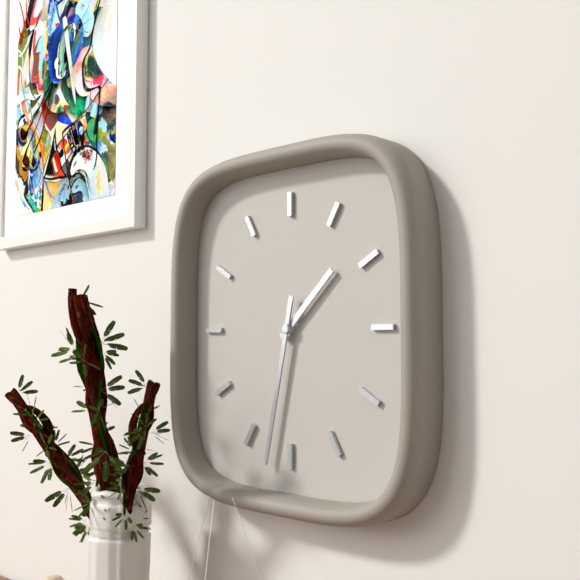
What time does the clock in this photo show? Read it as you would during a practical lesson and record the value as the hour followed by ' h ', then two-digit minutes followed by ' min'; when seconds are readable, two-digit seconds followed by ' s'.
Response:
1 h 32 min
